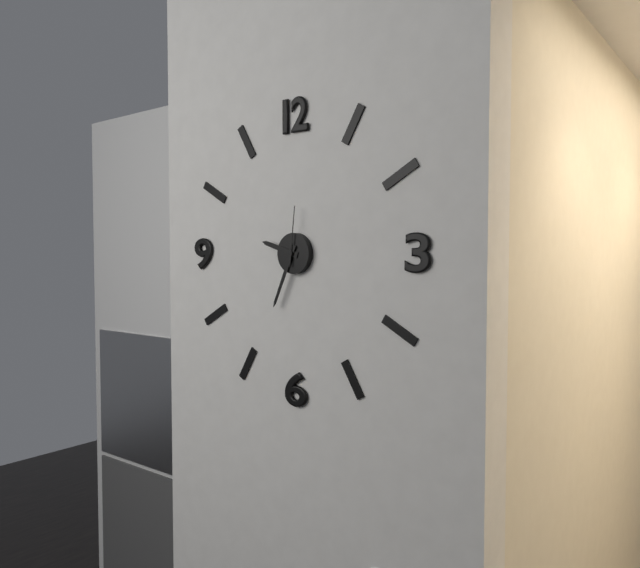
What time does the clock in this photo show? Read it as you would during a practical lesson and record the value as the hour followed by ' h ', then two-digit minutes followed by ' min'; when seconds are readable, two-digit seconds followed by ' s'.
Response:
9 h 34 min 01 s
